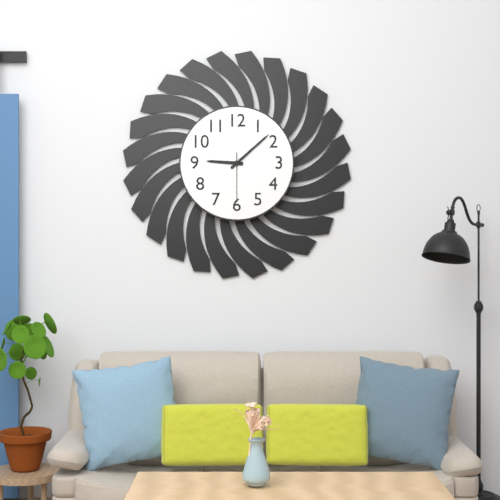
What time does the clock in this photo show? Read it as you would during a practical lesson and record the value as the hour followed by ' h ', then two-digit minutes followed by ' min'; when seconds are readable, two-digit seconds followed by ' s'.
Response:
9 h 08 min 30 s
